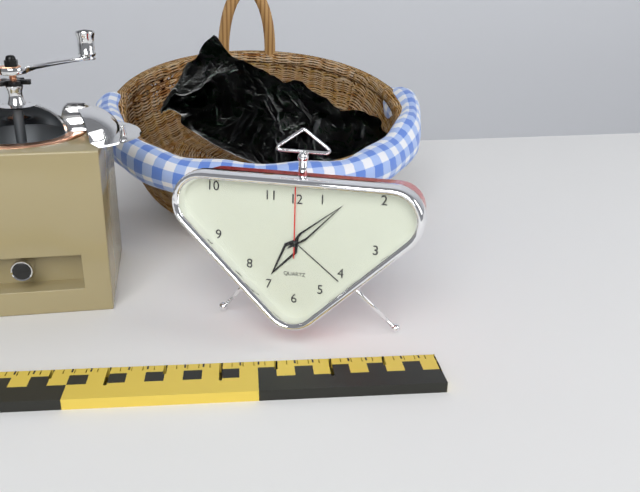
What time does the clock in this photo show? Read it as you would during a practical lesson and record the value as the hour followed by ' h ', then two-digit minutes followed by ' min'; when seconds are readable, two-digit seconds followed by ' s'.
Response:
7 h 08 min 00 s
